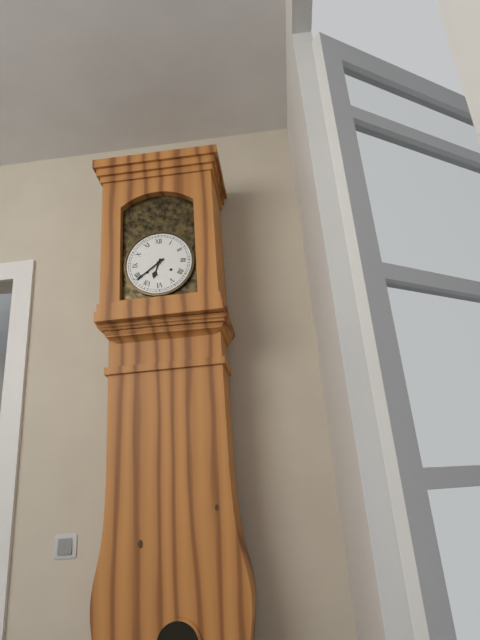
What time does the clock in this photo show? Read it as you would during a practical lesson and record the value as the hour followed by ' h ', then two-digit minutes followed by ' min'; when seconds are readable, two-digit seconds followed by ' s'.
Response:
6 h 39 min
